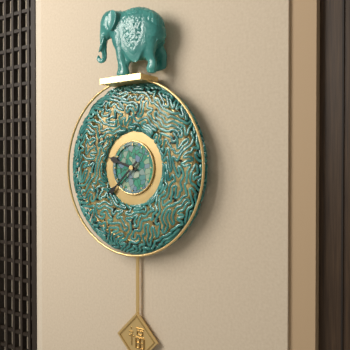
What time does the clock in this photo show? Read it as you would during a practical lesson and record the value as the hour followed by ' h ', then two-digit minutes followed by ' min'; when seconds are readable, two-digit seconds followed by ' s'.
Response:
9 h 38 min
